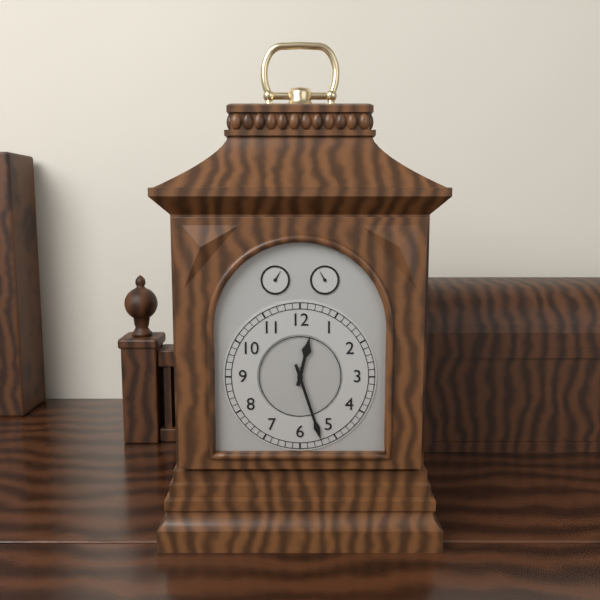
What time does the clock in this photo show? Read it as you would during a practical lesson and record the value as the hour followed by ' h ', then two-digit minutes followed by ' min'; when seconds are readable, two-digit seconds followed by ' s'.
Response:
12 h 27 min
